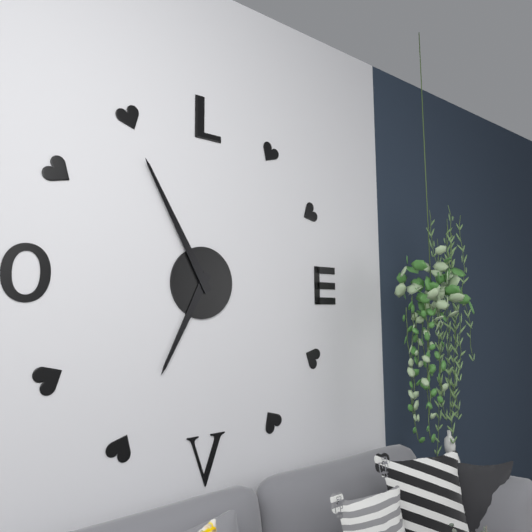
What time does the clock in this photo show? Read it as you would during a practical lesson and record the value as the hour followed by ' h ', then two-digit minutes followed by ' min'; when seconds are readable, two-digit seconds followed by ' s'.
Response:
6 h 55 min
